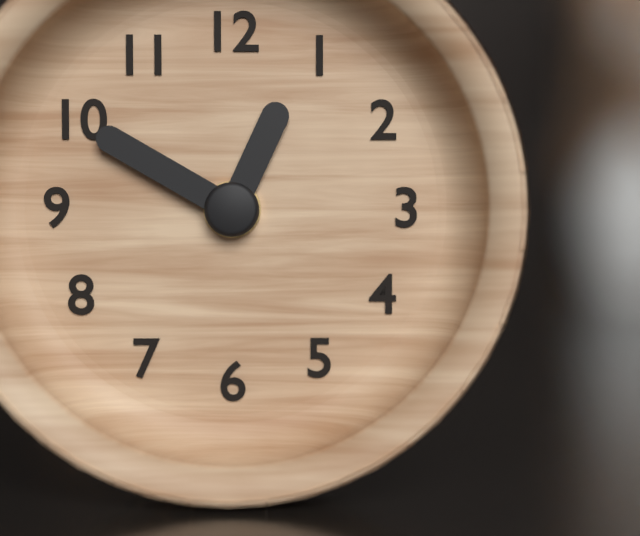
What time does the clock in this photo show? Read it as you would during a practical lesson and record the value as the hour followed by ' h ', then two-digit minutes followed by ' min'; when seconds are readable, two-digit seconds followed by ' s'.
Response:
12 h 50 min
